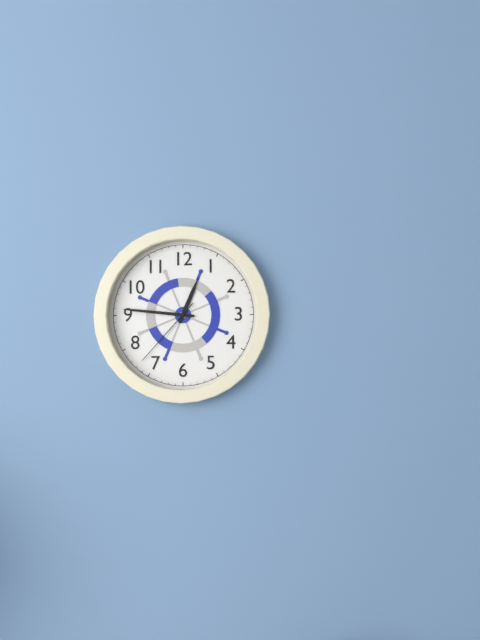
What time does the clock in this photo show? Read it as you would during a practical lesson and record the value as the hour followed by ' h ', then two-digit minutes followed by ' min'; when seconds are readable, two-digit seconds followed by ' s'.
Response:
12 h 46 min 37 s
